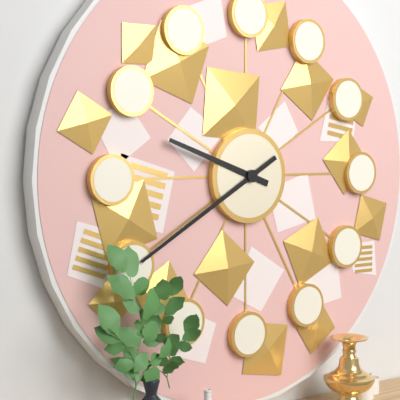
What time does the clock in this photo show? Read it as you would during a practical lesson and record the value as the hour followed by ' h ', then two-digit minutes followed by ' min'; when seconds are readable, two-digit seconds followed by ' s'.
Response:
9 h 40 min
